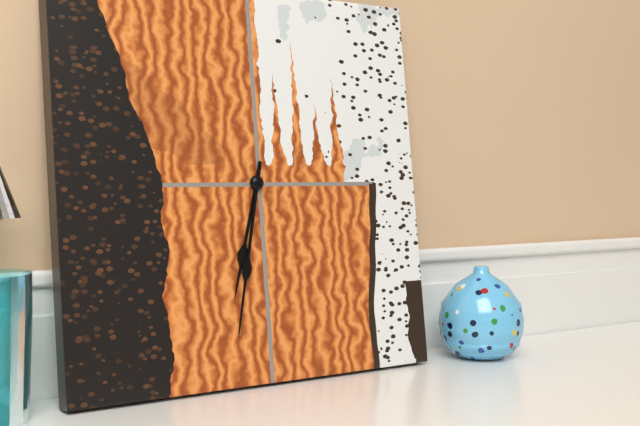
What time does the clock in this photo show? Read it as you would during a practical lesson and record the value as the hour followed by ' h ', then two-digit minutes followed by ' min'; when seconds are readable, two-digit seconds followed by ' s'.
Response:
6 h 32 min
